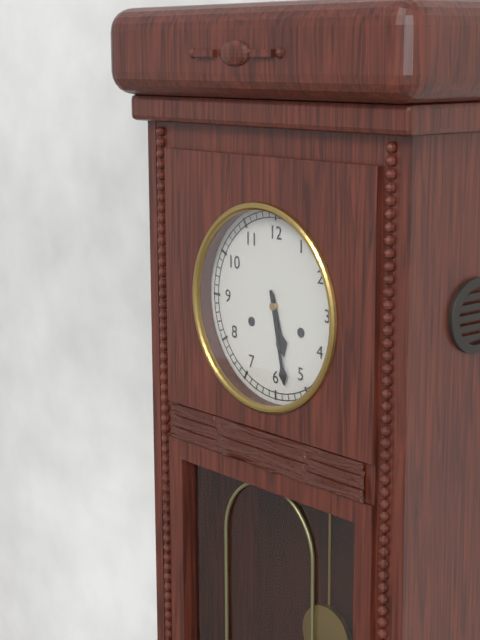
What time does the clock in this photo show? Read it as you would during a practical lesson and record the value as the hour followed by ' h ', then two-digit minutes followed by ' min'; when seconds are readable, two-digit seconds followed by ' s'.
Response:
5 h 28 min
